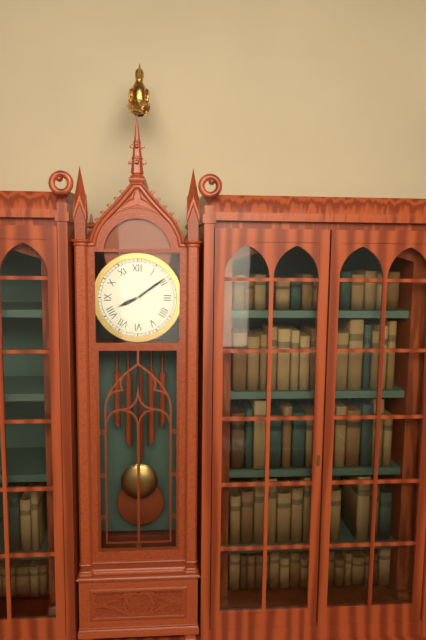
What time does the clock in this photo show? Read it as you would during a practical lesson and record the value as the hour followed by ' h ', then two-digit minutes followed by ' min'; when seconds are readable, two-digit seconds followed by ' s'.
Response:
8 h 09 min
